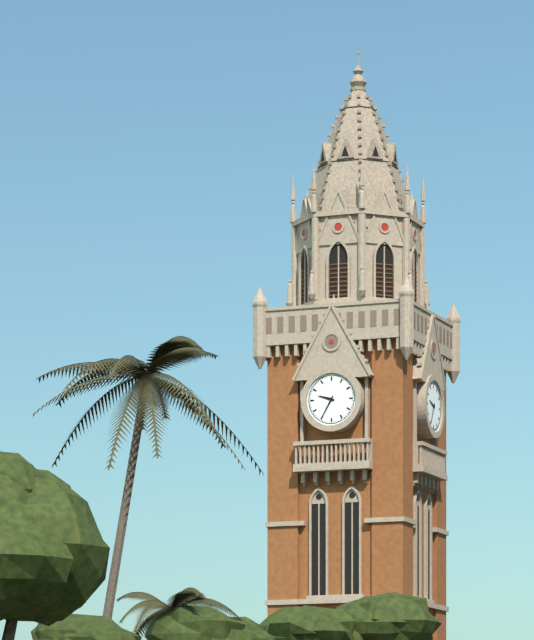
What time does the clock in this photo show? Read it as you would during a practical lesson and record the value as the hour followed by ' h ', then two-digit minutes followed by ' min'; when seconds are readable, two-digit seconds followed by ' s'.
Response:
9 h 35 min
